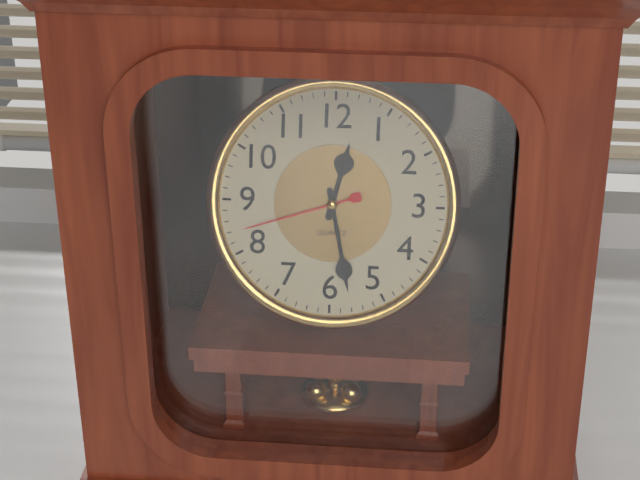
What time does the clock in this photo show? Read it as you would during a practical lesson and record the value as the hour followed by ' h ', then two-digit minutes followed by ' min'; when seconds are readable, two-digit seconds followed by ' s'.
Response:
12 h 28 min 42 s
